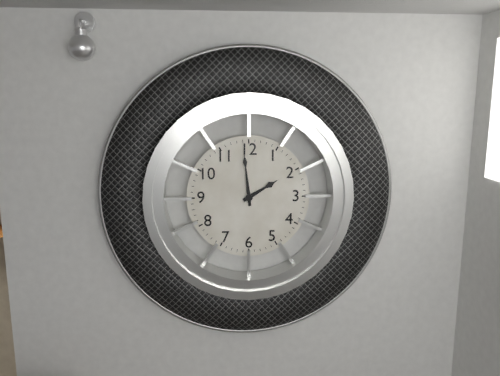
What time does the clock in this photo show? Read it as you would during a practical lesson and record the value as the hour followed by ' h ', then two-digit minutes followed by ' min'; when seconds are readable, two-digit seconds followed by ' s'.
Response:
1 h 59 min
